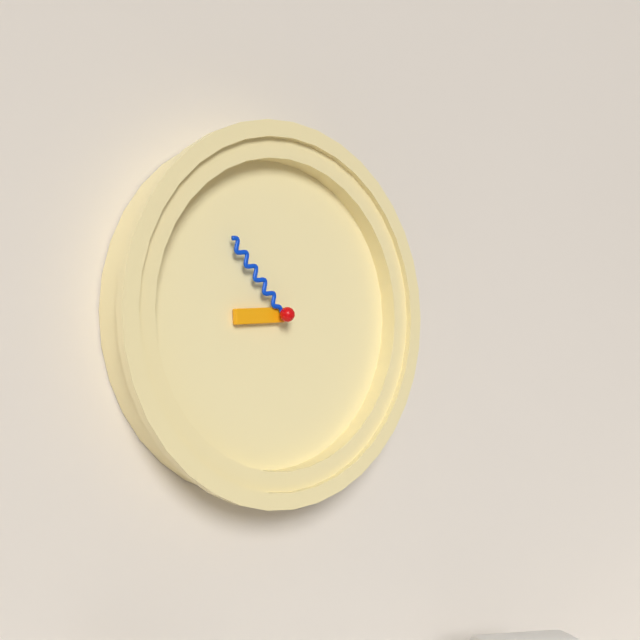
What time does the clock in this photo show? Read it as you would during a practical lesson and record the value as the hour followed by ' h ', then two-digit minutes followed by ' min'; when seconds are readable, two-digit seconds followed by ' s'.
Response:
8 h 53 min
